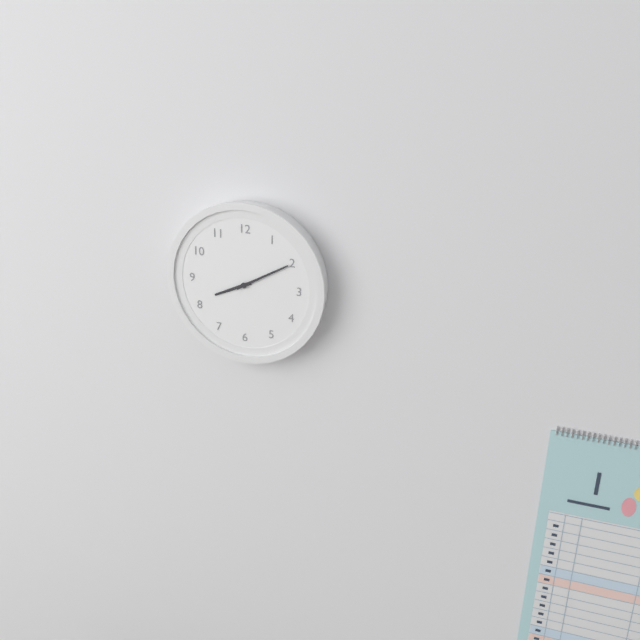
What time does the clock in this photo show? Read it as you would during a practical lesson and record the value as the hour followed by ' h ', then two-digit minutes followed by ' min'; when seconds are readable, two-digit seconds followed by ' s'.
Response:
8 h 10 min
